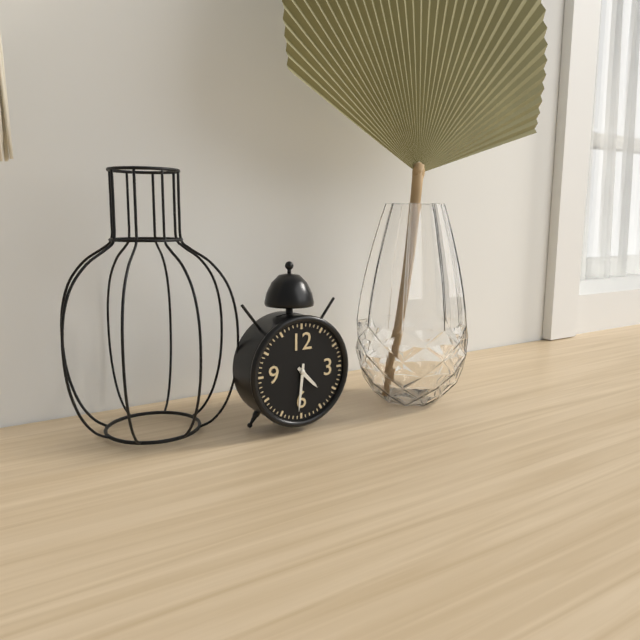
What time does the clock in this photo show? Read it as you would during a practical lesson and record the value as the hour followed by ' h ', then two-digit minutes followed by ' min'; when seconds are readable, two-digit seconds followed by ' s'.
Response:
4 h 31 min
